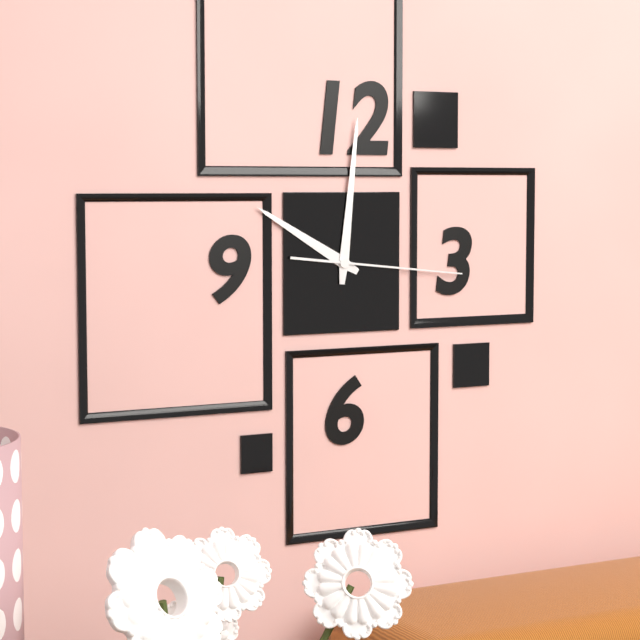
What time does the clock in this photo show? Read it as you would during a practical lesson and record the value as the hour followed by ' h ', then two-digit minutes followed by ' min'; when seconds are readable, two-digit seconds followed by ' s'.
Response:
10 h 01 min 16 s
